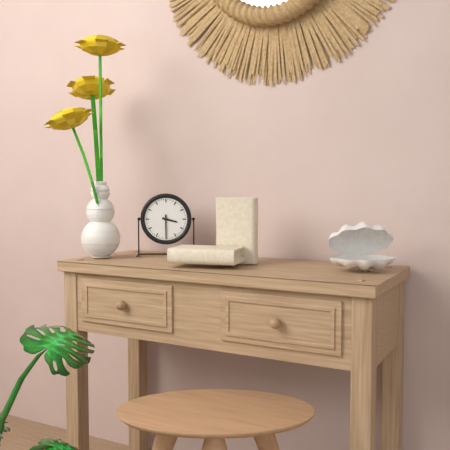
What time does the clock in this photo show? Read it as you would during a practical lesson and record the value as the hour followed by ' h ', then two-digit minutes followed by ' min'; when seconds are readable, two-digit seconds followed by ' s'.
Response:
3 h 30 min
